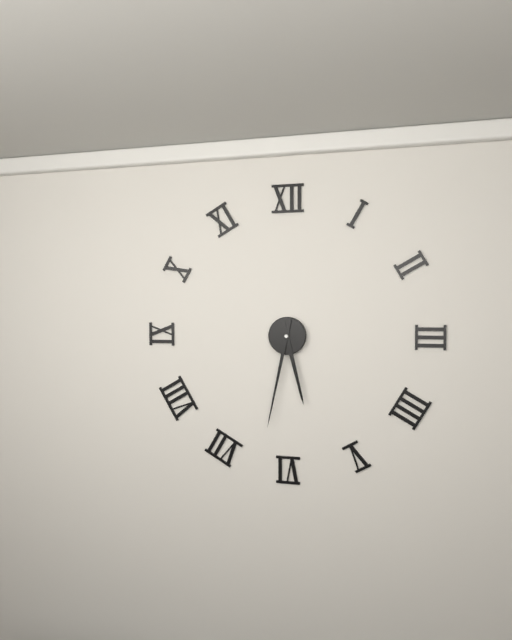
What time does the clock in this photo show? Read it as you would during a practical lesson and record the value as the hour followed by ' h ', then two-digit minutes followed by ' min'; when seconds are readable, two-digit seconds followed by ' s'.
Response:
5 h 32 min
